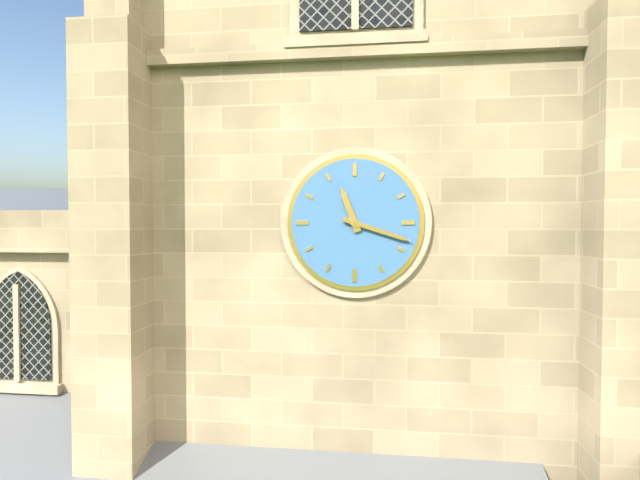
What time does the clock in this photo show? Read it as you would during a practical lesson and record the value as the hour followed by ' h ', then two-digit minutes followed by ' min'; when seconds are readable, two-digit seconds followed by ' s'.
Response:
11 h 18 min
